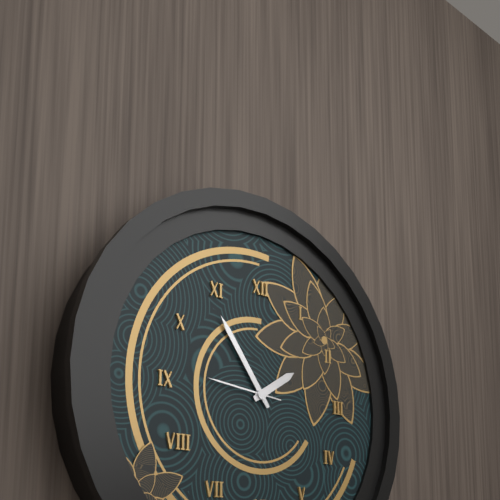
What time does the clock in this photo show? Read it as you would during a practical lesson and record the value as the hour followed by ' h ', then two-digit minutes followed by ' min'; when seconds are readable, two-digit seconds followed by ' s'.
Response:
1 h 54 min 46 s
